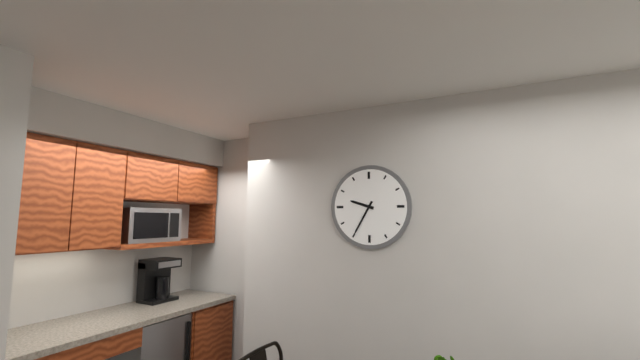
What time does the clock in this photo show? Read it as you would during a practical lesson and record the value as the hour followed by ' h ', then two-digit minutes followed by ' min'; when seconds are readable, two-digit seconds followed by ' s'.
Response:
9 h 35 min
